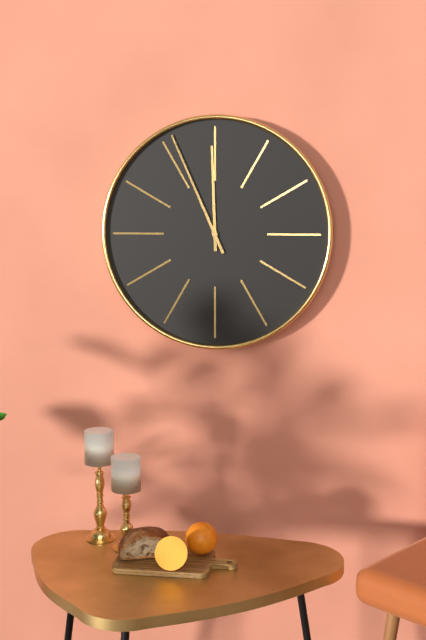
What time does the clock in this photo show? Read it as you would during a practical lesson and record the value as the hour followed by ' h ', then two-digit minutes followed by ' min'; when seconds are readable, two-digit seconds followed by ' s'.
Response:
11 h 56 min
